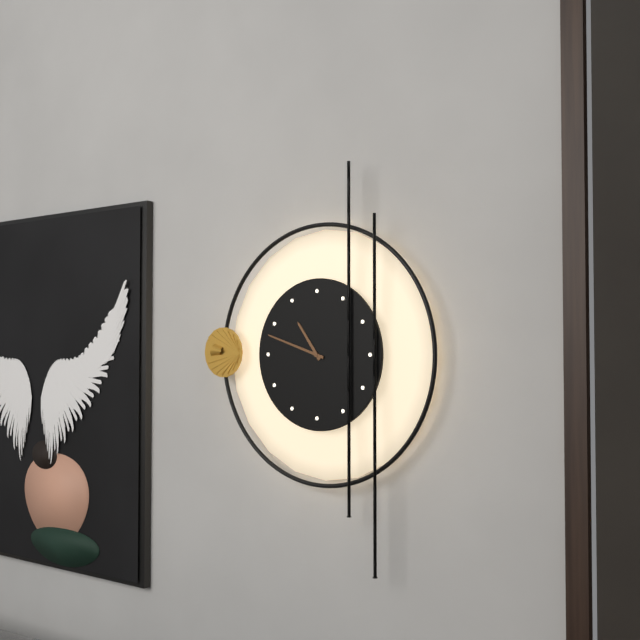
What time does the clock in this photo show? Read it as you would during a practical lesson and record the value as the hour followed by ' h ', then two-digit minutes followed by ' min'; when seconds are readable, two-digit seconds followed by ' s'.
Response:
10 h 48 min
